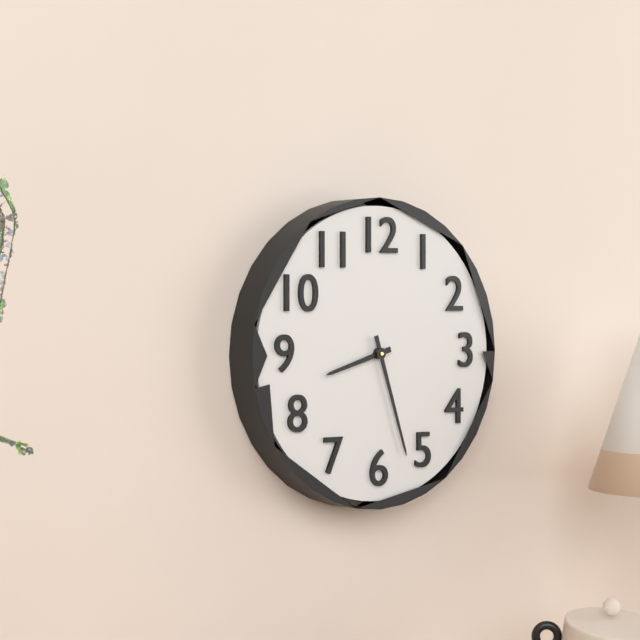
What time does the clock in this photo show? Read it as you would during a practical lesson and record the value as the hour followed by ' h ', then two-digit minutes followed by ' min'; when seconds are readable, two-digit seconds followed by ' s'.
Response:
8 h 27 min
